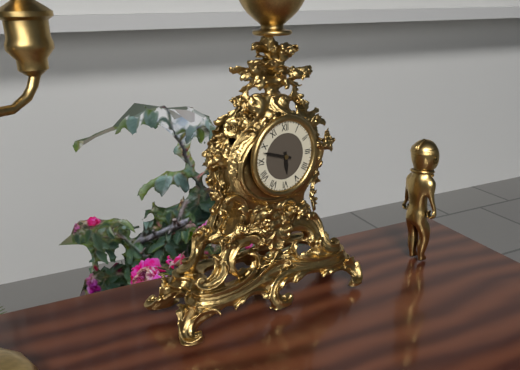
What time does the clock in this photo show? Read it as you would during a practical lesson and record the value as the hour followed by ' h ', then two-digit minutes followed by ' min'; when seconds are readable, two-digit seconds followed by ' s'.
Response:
5 h 48 min
